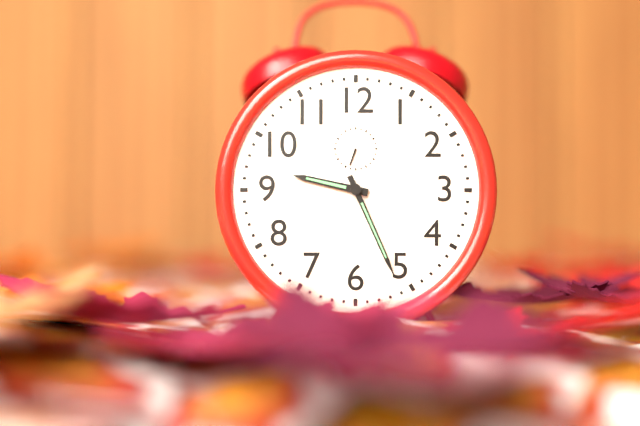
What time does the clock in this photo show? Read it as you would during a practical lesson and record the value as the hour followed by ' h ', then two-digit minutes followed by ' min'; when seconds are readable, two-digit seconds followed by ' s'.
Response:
9 h 26 min
